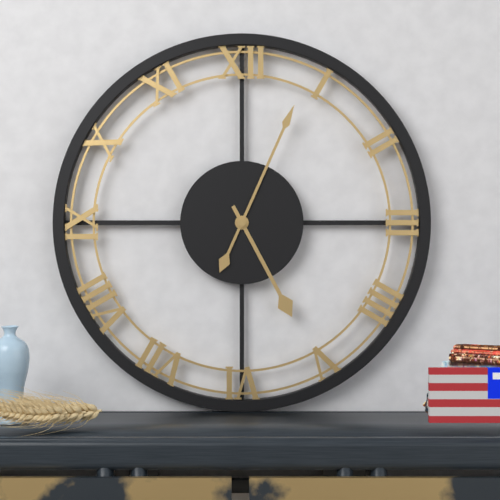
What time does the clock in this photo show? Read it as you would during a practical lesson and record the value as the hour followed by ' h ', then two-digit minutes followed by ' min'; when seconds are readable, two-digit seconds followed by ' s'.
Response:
5 h 04 min
